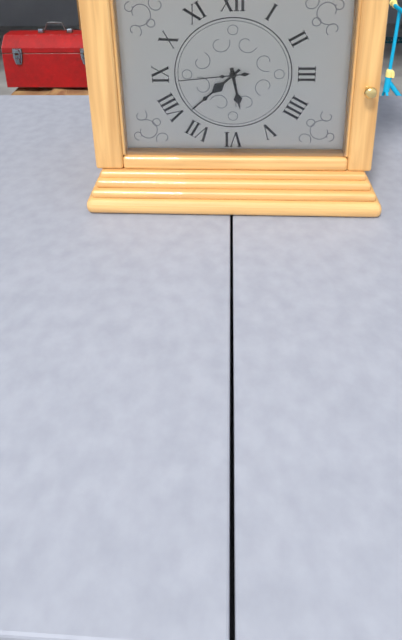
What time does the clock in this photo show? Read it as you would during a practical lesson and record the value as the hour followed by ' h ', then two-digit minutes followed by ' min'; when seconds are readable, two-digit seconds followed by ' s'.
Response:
5 h 38 min 44 s
